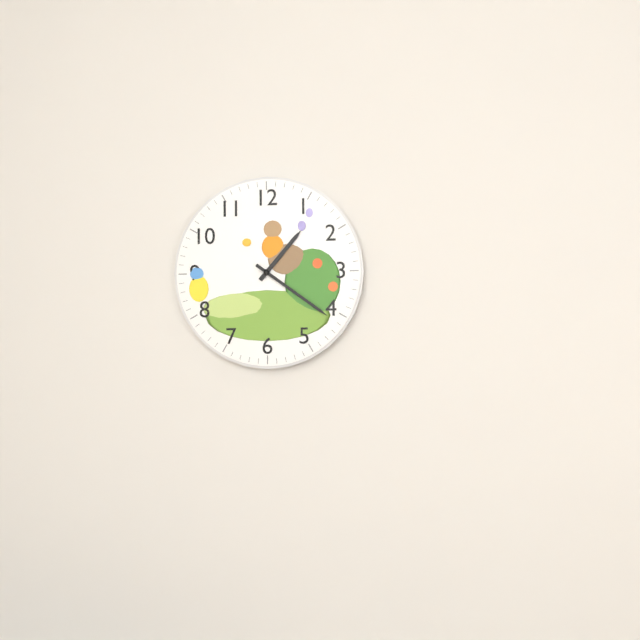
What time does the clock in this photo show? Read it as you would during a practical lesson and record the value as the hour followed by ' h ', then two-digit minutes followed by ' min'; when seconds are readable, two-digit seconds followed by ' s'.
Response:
1 h 21 min
